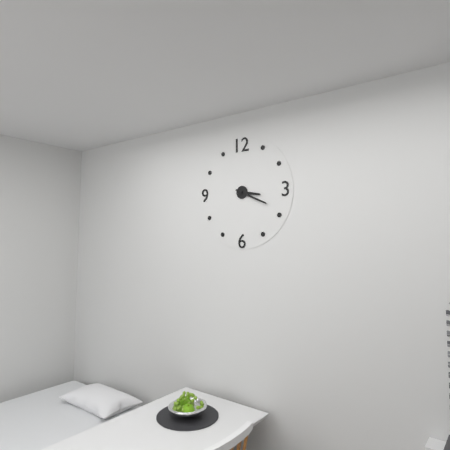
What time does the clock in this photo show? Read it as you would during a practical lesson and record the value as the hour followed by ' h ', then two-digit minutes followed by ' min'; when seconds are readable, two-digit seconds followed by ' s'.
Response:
3 h 19 min
